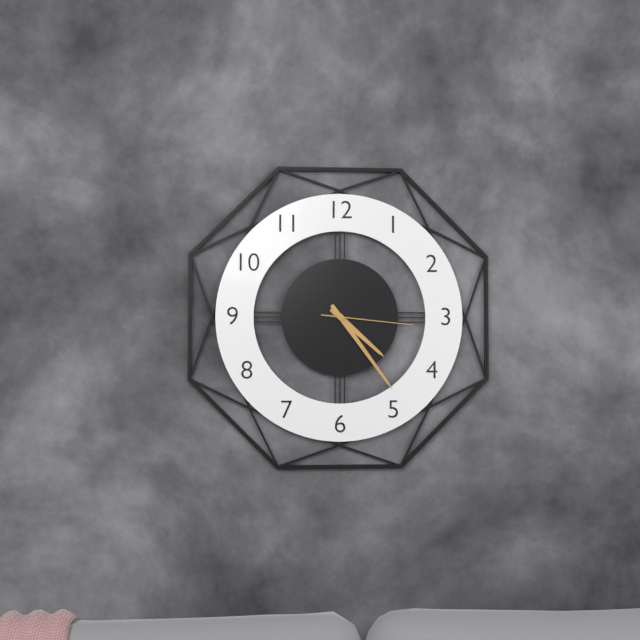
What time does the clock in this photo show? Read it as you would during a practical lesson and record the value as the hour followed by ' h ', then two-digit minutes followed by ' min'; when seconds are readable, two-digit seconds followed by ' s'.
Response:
4 h 24 min 16 s
